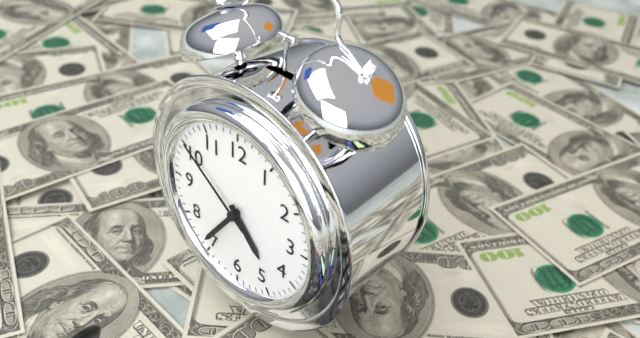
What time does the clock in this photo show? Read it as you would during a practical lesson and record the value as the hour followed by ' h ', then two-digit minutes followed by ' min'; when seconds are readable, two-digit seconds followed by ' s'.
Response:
4 h 36 min 51 s
